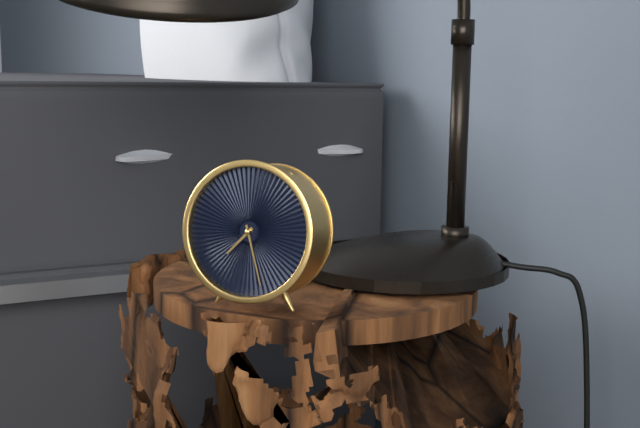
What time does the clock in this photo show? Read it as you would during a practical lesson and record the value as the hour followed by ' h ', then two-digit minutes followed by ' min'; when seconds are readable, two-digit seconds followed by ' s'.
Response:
7 h 27 min
